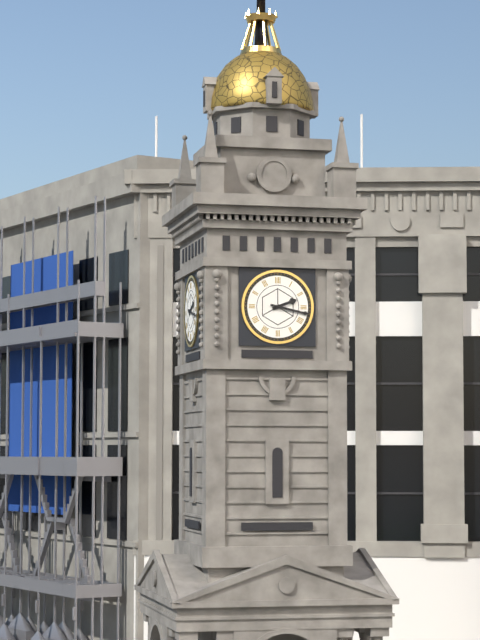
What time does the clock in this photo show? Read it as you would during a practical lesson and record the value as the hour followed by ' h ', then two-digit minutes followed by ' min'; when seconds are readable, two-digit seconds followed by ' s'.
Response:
2 h 17 min
